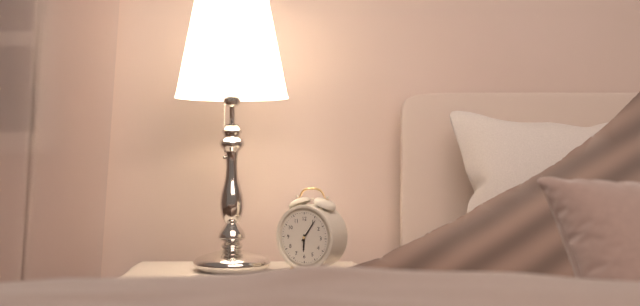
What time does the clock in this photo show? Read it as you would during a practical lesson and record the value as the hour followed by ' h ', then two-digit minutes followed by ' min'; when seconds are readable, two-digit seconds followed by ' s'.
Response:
6 h 06 min
